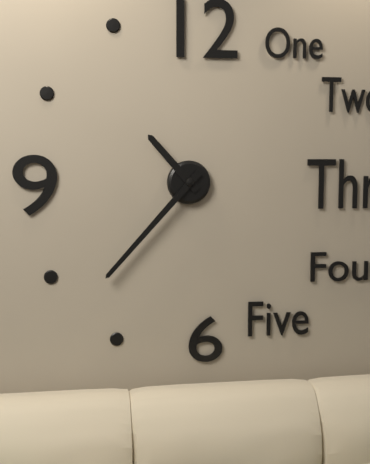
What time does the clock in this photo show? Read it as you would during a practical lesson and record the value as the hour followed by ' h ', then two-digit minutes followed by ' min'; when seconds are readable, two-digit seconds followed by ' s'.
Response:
10 h 37 min
